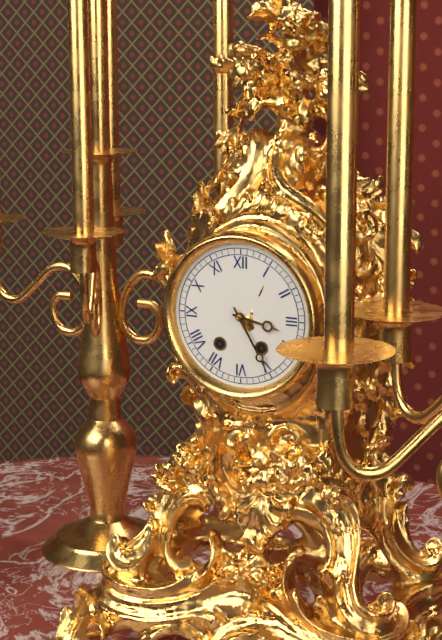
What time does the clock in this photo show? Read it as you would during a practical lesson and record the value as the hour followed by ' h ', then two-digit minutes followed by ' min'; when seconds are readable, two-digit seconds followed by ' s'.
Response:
3 h 25 min
